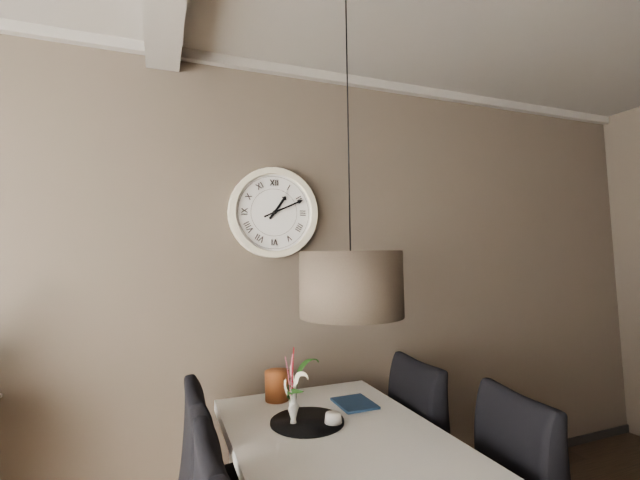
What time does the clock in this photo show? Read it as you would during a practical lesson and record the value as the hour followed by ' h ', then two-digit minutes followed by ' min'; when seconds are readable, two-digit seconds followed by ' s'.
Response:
1 h 11 min
